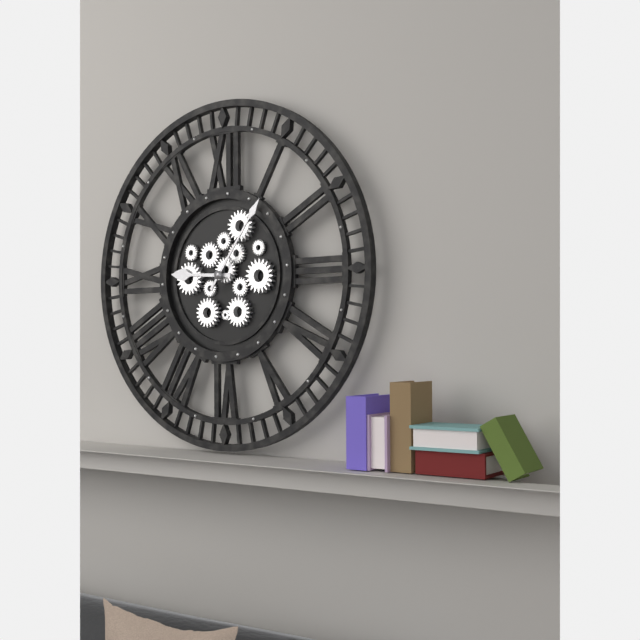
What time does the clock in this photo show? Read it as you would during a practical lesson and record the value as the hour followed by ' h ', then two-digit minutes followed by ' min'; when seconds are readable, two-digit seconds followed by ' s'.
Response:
9 h 06 min
